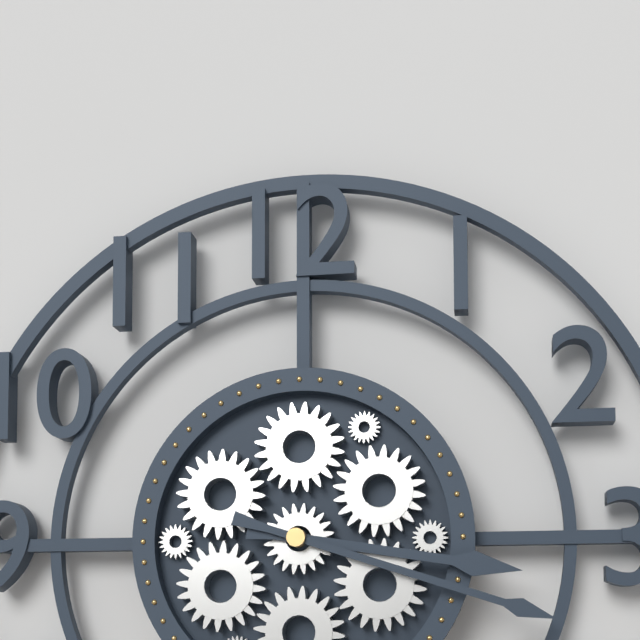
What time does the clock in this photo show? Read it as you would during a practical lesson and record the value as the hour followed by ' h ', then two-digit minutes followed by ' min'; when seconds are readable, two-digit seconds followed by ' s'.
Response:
3 h 18 min
